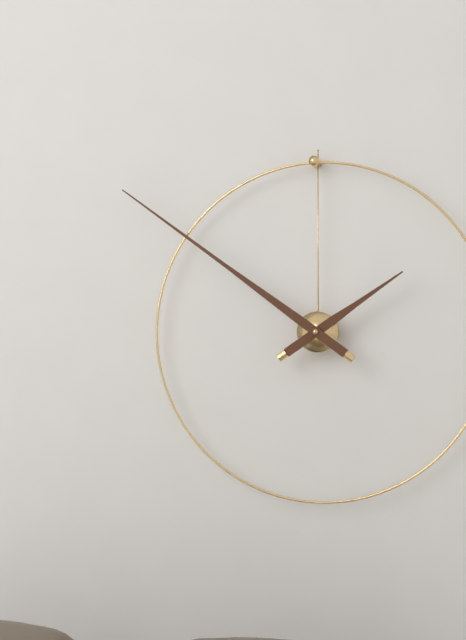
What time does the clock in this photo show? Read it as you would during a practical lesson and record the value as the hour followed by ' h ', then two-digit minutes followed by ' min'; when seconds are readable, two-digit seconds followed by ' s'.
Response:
1 h 51 min
